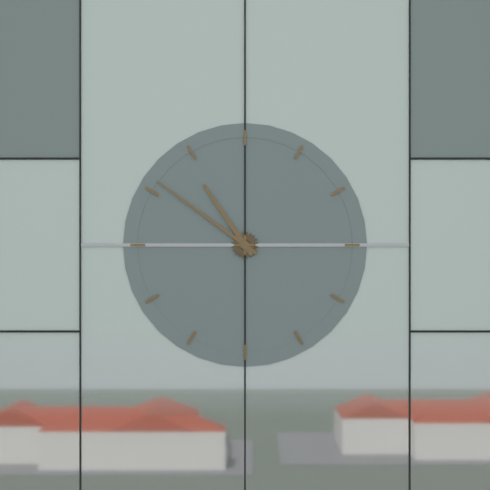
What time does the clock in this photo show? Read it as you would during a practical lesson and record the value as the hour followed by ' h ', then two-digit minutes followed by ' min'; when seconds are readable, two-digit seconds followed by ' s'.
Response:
10 h 51 min
